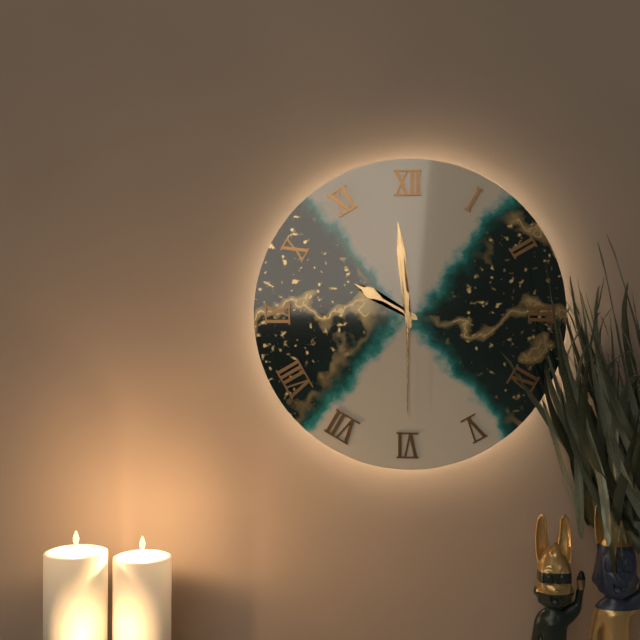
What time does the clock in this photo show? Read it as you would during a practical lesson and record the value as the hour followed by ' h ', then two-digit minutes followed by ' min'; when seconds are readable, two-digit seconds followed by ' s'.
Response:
9 h 59 min 30 s
